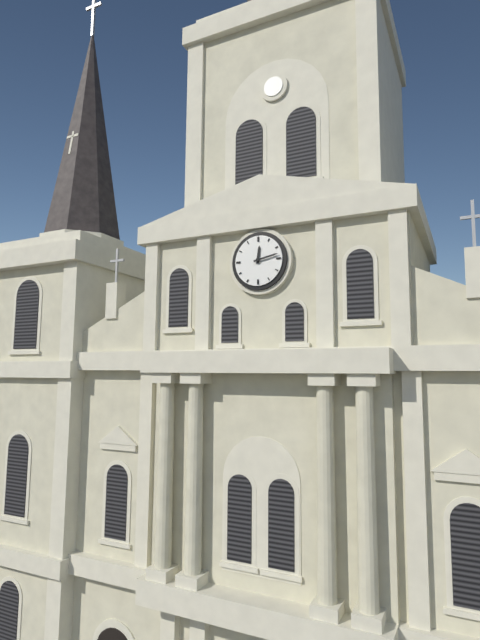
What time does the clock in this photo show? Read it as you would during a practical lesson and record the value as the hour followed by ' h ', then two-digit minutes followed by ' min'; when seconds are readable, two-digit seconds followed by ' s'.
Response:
12 h 13 min
